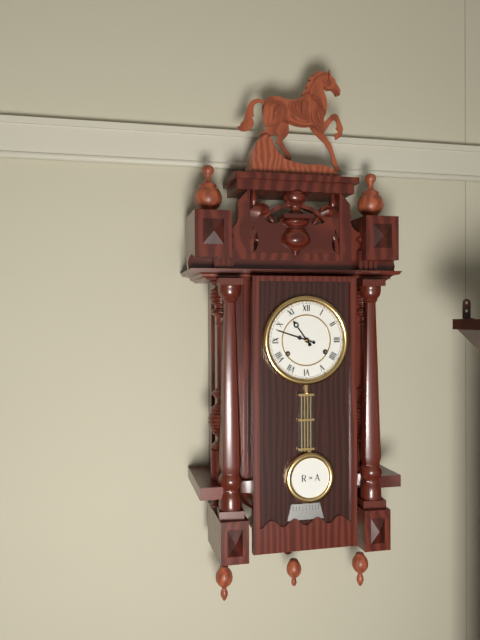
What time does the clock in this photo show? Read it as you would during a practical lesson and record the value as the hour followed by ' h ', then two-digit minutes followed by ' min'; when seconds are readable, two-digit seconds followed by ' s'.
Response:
10 h 48 min
